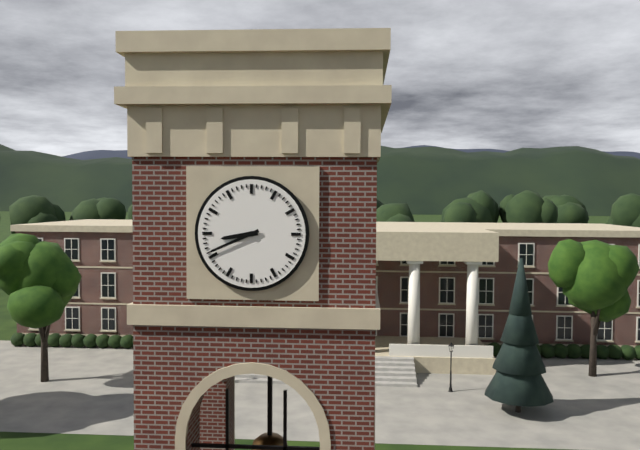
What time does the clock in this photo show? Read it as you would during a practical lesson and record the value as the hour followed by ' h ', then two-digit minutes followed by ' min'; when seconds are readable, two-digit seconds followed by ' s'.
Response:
8 h 41 min
